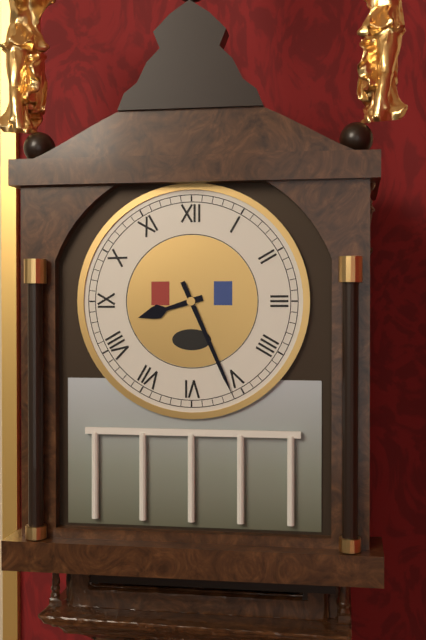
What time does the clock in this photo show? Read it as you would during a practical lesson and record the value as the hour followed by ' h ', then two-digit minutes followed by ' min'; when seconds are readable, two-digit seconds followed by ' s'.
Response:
8 h 26 min
